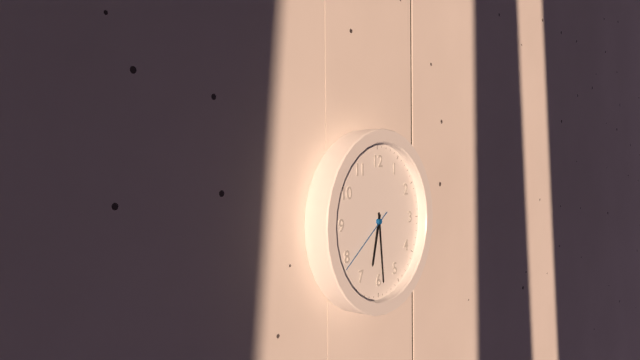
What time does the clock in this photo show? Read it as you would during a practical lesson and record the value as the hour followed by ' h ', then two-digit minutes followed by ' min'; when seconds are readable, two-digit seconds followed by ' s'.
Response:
6 h 29 min 39 s
